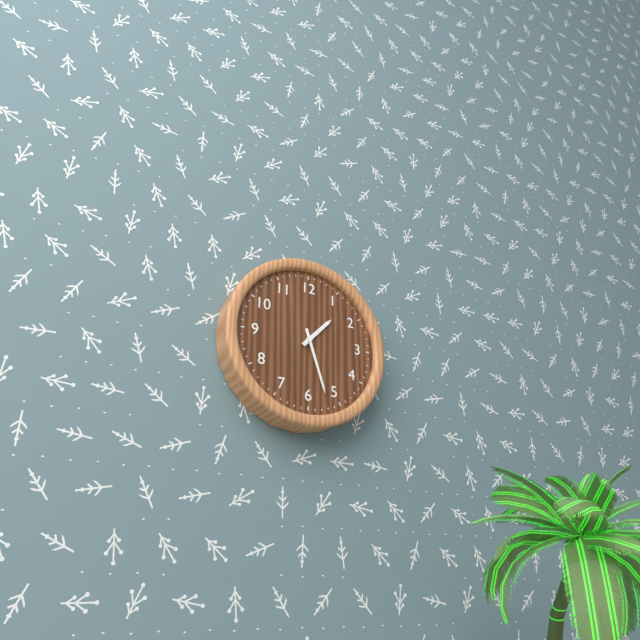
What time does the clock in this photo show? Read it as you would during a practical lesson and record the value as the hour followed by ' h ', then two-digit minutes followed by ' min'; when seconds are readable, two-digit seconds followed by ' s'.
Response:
1 h 27 min
